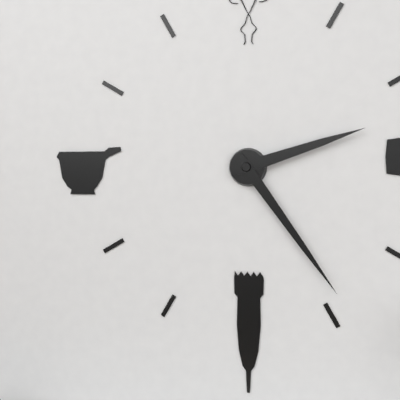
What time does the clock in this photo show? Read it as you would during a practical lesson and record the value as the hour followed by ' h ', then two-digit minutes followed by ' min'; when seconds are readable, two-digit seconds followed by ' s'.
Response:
2 h 24 min
